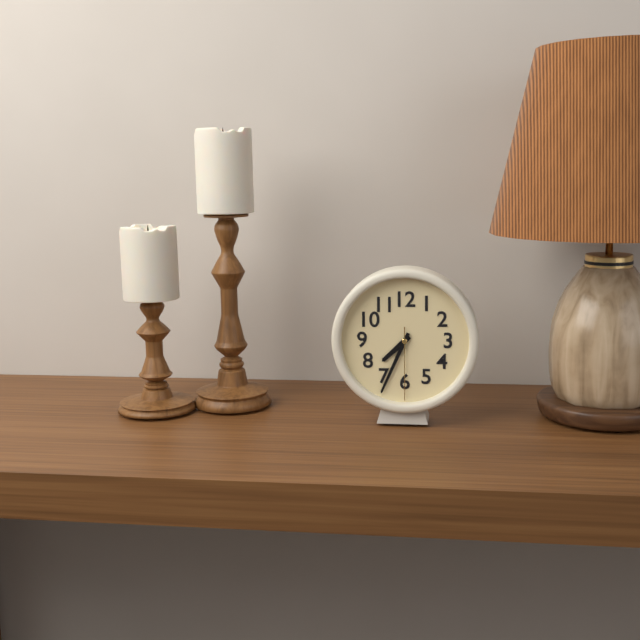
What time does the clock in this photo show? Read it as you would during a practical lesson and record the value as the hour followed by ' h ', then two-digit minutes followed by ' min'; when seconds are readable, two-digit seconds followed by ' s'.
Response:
7 h 34 min 30 s
